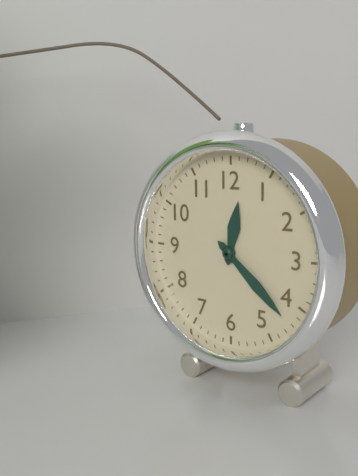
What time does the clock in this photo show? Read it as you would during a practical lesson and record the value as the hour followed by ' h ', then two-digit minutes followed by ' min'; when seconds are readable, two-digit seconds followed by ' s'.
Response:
12 h 22 min
